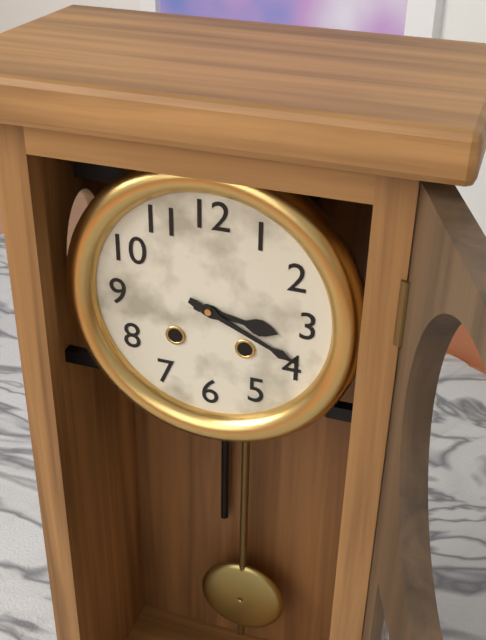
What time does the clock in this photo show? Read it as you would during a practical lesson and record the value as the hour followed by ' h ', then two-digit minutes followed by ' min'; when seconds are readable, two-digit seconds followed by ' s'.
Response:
3 h 19 min
